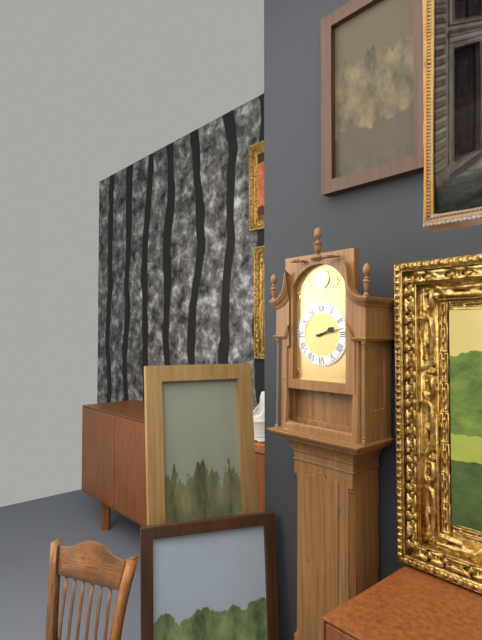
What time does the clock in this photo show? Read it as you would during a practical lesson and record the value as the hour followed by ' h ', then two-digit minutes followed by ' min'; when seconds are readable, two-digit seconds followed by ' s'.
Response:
2 h 13 min
